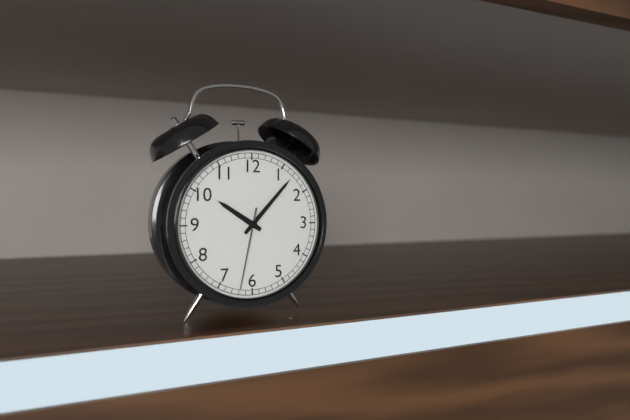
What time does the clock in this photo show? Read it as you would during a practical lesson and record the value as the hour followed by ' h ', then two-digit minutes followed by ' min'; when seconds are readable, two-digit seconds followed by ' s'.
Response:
10 h 07 min 32 s
